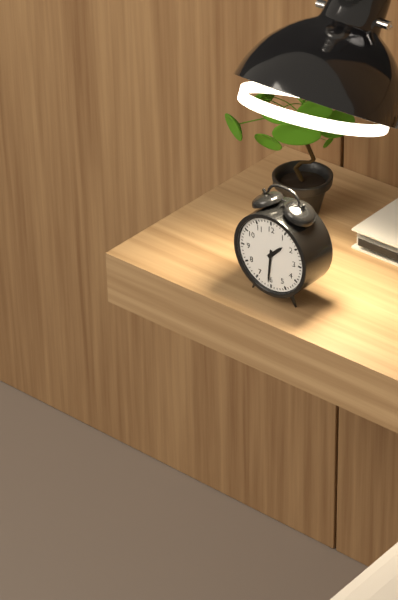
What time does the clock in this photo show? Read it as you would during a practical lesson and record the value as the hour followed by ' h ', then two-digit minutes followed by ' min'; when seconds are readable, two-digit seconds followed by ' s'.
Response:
1 h 31 min
